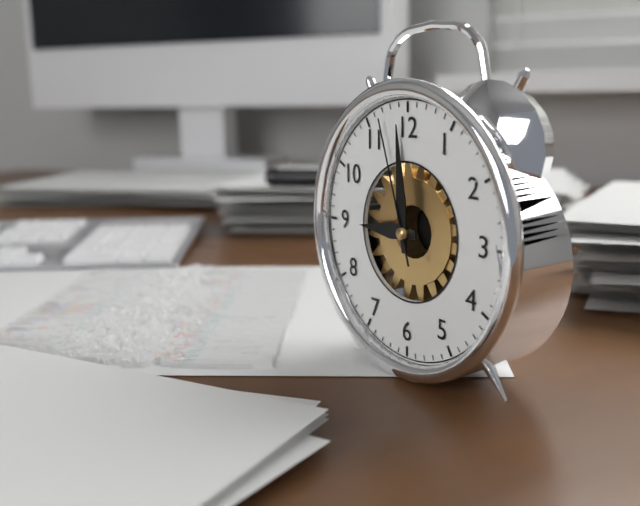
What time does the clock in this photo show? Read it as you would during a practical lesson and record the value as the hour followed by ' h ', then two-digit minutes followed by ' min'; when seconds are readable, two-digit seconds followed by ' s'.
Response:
8 h 59 min 57 s
